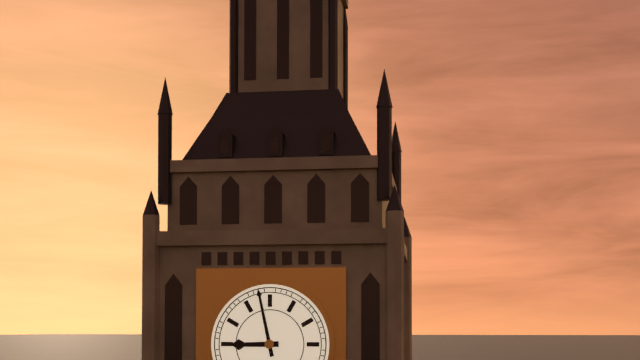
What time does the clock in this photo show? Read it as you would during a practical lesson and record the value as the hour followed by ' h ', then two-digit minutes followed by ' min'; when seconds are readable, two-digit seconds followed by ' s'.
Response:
8 h 58 min
